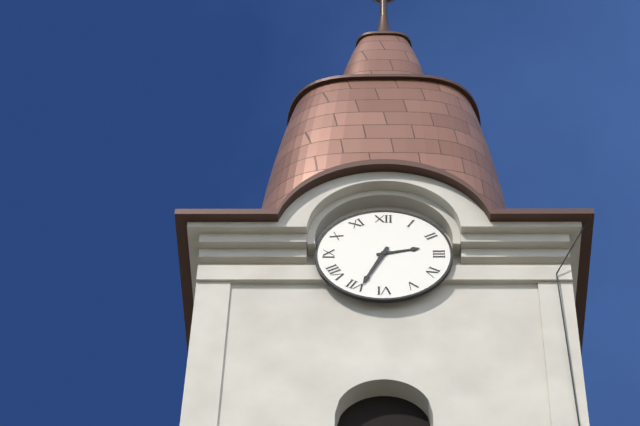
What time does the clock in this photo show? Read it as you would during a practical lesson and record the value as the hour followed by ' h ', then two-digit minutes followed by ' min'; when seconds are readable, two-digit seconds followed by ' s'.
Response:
2 h 34 min
